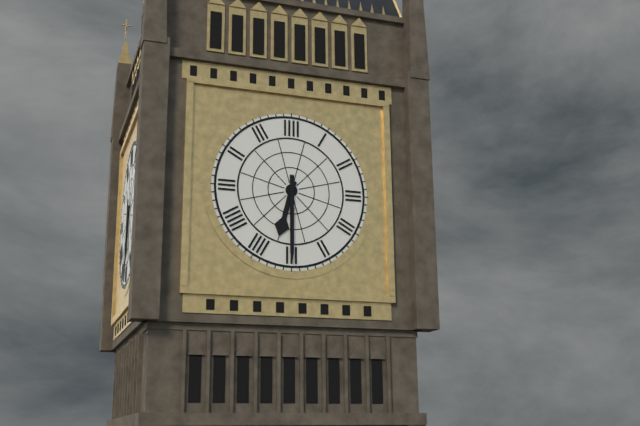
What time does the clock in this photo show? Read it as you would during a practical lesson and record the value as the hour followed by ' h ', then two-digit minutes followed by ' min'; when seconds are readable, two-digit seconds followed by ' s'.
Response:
6 h 30 min
